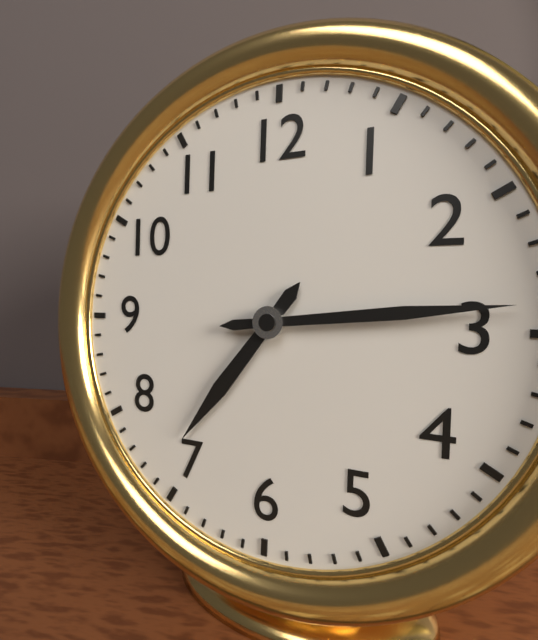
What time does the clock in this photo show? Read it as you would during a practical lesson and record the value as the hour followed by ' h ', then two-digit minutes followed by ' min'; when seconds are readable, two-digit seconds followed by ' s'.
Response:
7 h 14 min
